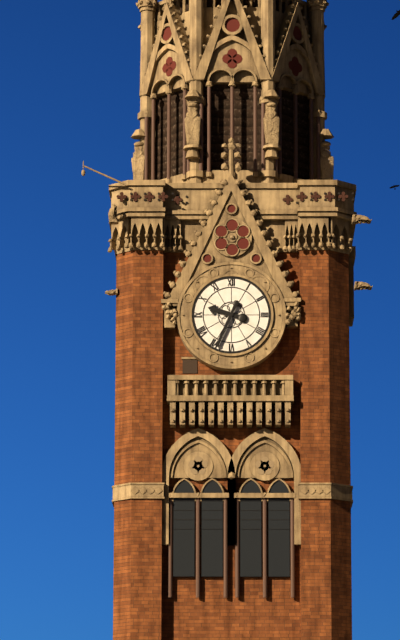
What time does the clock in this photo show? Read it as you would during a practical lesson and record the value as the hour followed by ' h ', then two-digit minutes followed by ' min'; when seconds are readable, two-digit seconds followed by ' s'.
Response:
9 h 34 min
